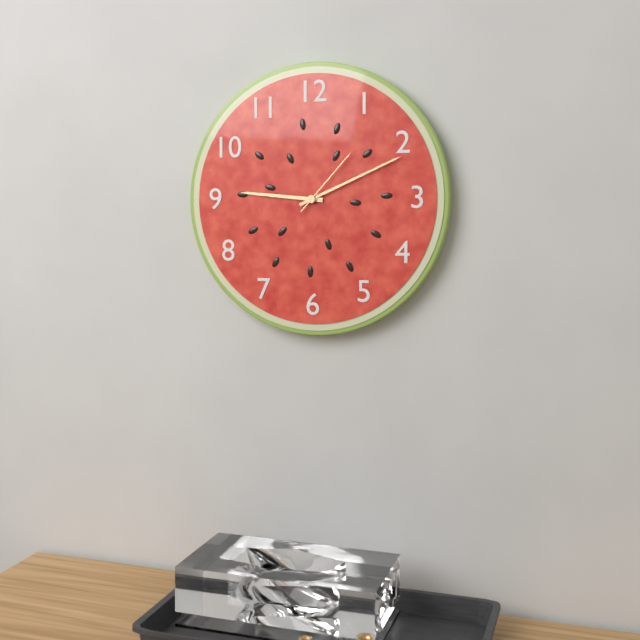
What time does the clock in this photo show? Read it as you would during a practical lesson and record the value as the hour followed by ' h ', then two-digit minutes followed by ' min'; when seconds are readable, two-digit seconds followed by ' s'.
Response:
9 h 11 min 07 s
